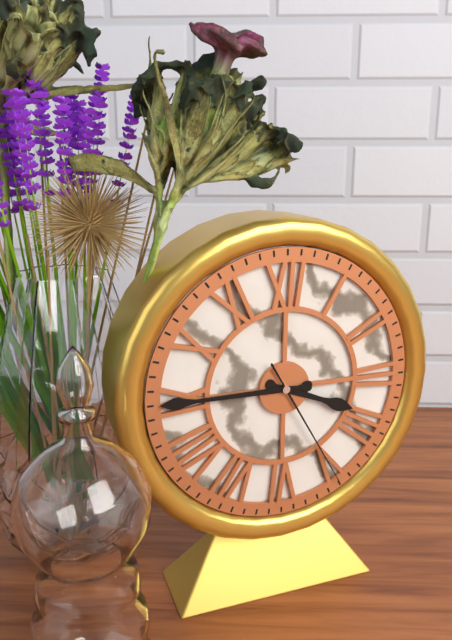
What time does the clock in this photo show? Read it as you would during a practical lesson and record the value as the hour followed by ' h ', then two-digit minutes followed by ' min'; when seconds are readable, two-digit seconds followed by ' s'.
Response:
3 h 45 min 25 s
